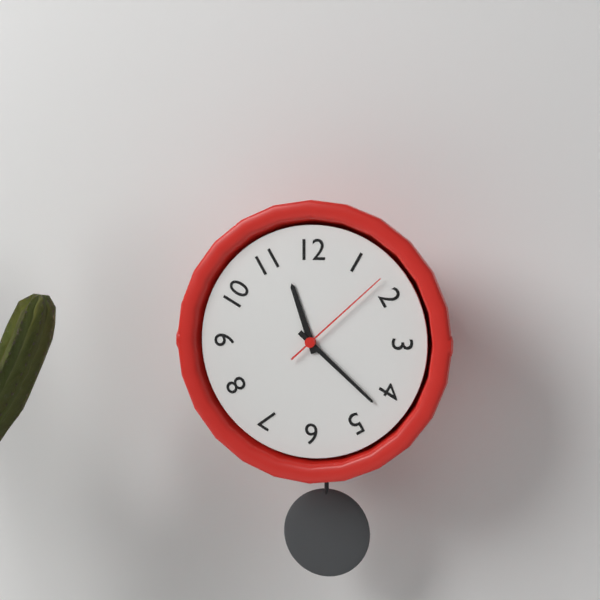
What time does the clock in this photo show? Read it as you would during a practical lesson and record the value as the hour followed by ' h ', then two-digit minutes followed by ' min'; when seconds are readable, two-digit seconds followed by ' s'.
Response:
11 h 22 min 08 s
